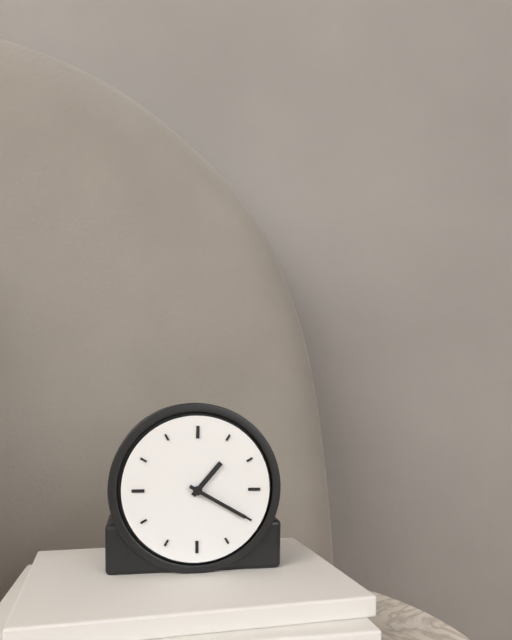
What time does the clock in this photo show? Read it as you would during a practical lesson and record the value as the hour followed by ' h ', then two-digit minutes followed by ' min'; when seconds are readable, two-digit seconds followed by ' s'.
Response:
1 h 20 min
